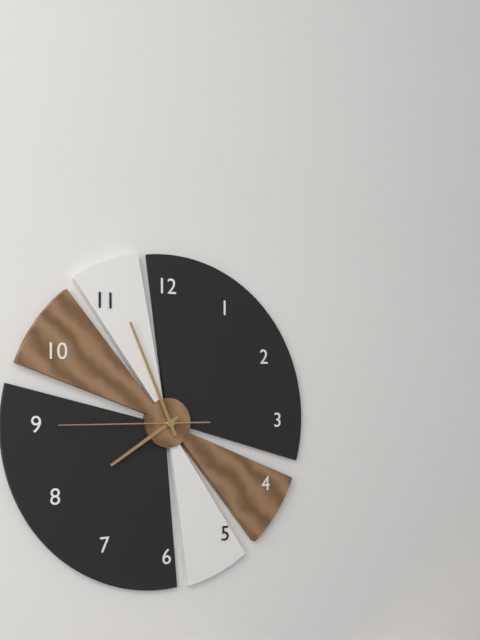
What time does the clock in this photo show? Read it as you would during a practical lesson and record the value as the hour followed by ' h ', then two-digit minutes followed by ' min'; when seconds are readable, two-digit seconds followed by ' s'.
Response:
7 h 56 min 45 s
